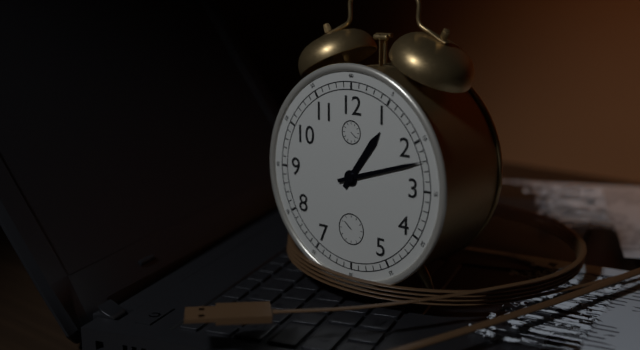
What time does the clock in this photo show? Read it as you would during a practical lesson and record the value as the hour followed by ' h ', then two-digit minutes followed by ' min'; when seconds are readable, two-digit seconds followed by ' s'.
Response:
1 h 12 min
